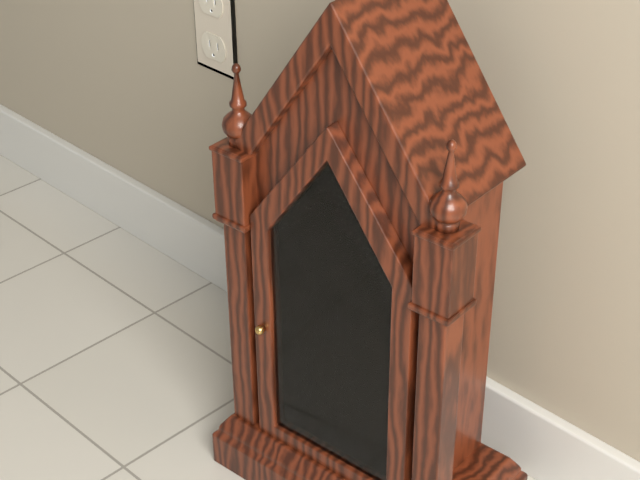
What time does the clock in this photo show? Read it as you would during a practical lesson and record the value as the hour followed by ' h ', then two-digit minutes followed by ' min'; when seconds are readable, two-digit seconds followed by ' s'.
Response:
2 h 15 min
